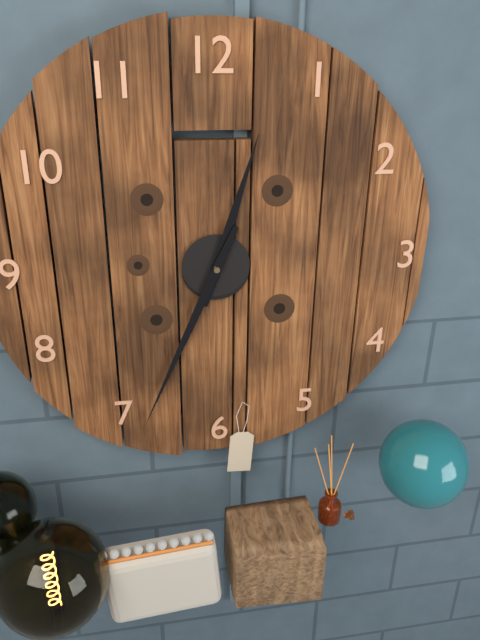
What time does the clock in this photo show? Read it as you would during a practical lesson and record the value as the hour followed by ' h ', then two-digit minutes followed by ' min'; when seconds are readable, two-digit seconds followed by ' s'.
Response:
12 h 34 min
